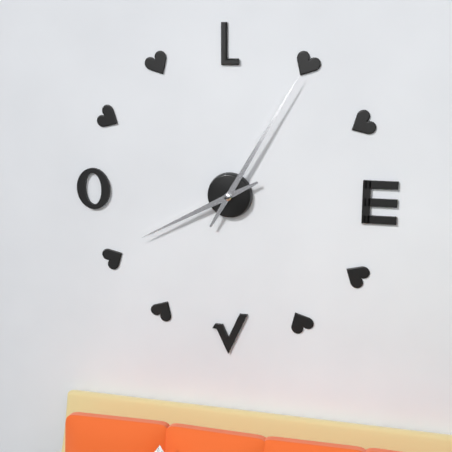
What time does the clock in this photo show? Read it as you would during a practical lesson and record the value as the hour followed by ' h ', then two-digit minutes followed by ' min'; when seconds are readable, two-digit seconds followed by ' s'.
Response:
8 h 05 min
